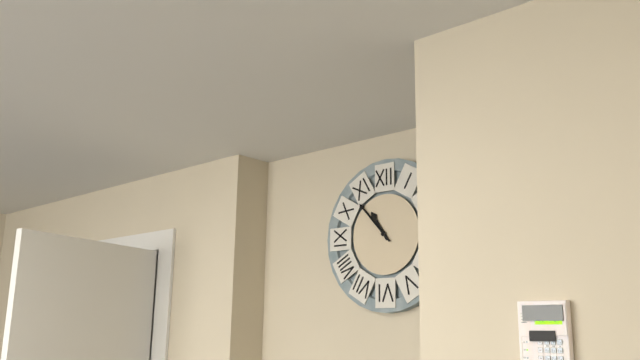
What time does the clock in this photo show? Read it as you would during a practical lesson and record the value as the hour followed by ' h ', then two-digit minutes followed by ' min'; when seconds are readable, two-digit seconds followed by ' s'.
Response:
10 h 53 min
